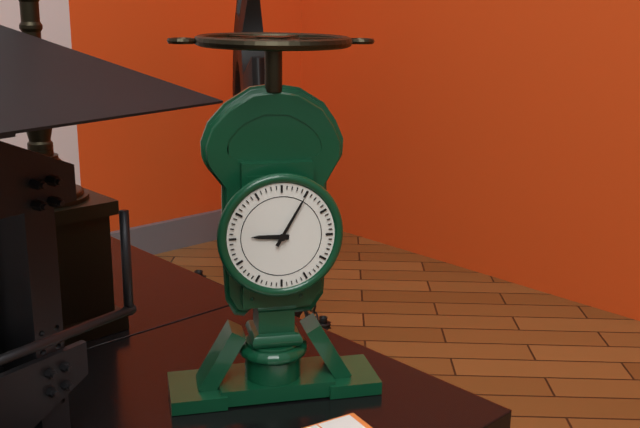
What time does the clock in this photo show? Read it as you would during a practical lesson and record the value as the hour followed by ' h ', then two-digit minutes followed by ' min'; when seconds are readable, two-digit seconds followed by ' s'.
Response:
9 h 05 min
